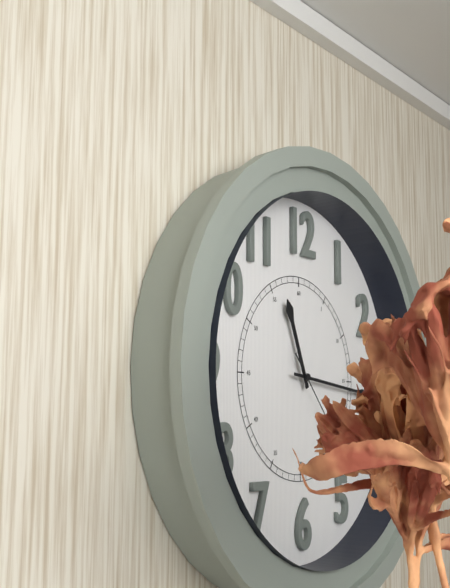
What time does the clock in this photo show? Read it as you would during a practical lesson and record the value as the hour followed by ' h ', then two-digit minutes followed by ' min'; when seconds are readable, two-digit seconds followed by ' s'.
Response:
11 h 16 min
